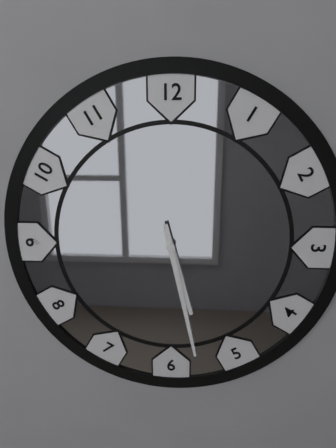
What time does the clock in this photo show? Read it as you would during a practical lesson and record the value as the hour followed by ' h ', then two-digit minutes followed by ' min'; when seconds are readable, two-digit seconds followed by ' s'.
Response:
5 h 28 min
